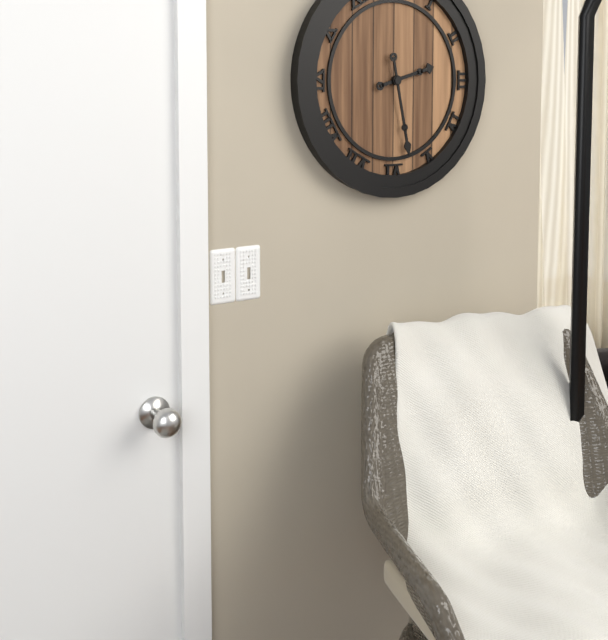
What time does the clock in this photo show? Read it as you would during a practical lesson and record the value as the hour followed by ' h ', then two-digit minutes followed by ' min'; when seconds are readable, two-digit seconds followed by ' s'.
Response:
2 h 28 min
